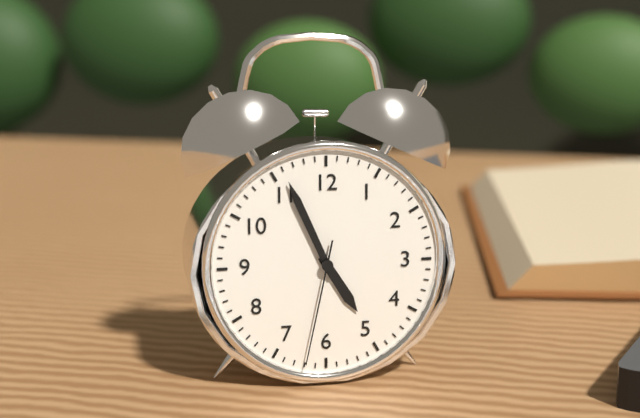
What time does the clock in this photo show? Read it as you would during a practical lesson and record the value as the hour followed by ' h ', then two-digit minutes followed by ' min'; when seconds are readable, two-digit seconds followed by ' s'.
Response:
4 h 56 min 32 s
